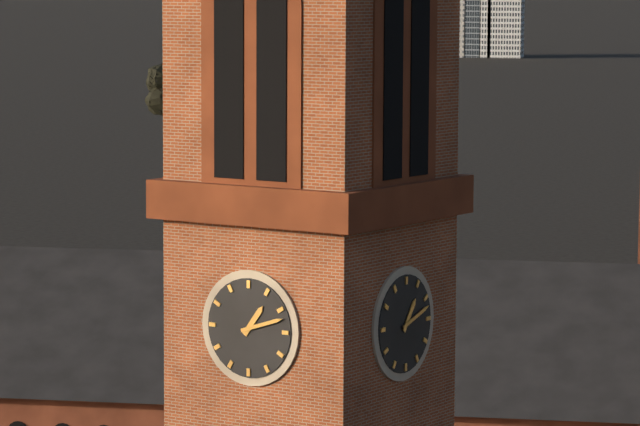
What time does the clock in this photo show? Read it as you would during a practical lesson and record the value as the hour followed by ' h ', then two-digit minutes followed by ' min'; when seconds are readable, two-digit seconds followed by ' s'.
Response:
1 h 12 min
